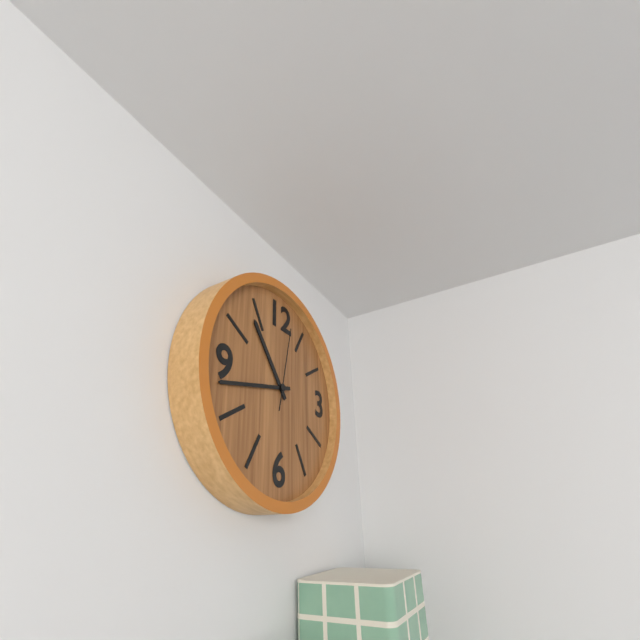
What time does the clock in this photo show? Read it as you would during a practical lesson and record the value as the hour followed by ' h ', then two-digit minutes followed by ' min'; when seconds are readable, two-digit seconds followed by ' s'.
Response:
10 h 43 min 02 s
